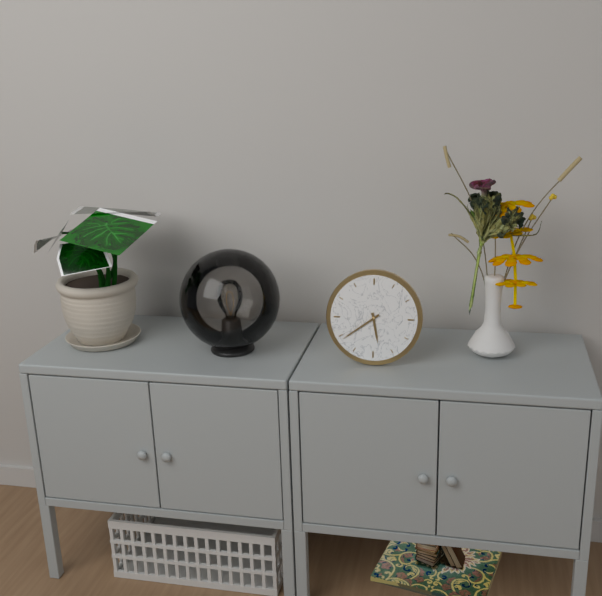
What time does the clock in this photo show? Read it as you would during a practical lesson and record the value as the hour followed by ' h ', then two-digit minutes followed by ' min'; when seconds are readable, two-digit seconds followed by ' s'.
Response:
5 h 39 min
